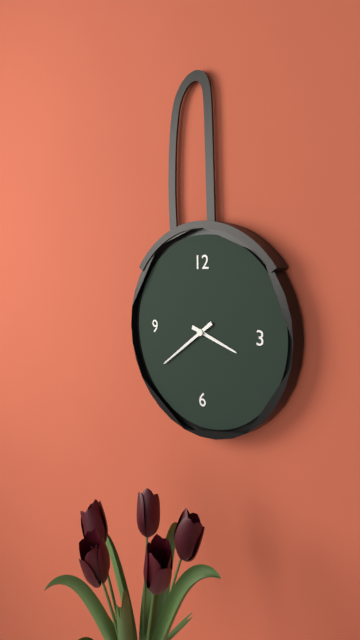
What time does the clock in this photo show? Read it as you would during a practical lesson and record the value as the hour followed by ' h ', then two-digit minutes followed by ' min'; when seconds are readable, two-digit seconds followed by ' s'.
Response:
3 h 39 min
